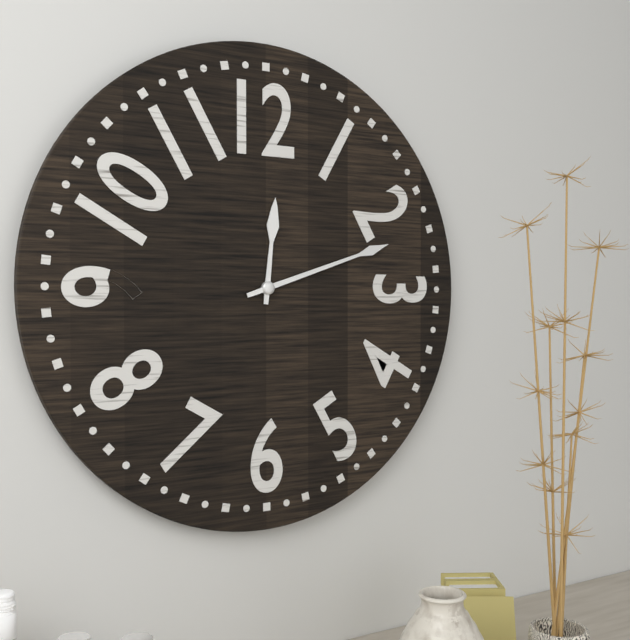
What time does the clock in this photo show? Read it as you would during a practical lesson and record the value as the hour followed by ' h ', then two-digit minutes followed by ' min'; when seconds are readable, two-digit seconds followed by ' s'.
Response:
12 h 12 min
